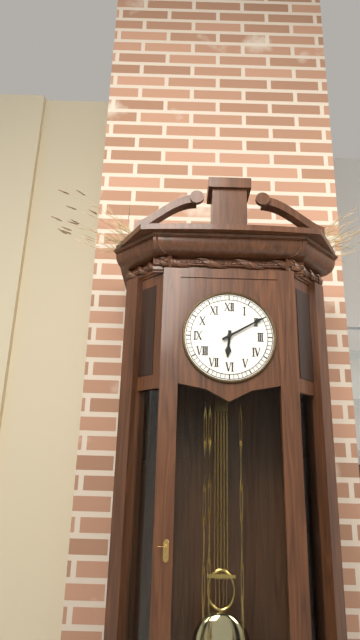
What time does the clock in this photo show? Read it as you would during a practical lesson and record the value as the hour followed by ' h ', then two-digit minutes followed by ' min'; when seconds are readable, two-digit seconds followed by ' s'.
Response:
6 h 10 min
